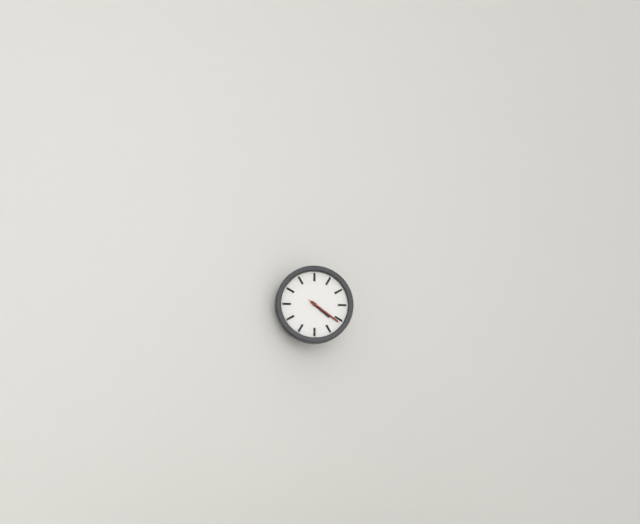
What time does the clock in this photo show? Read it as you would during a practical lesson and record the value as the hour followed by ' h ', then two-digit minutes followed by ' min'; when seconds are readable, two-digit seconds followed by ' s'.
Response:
4 h 21 min
